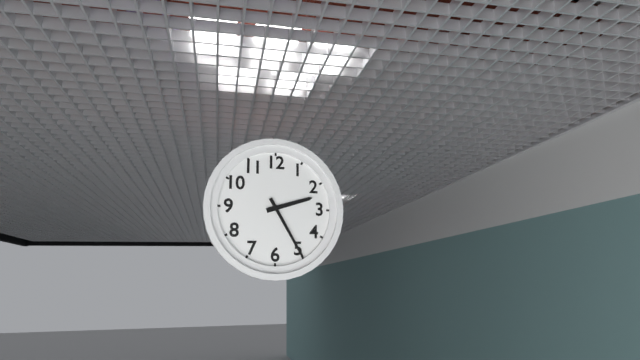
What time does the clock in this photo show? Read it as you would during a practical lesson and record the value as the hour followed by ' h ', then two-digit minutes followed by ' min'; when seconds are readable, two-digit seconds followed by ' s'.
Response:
2 h 25 min
